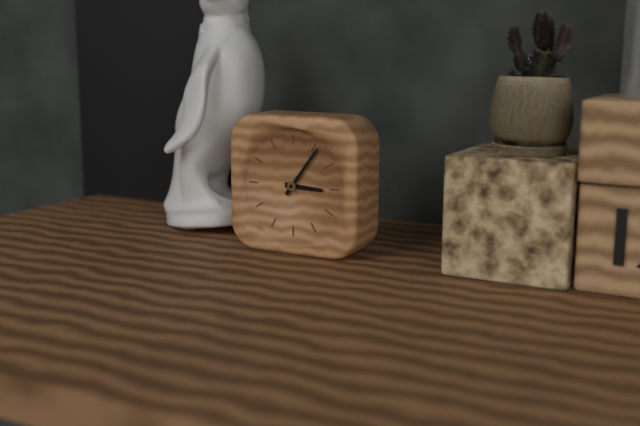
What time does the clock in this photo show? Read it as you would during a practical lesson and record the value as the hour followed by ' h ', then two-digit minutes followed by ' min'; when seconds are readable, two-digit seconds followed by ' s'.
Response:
3 h 06 min
